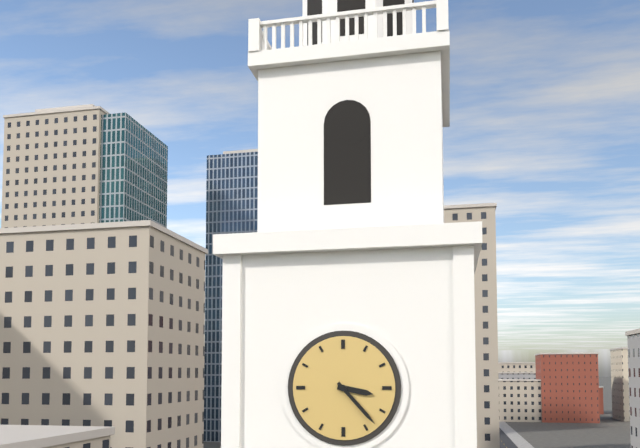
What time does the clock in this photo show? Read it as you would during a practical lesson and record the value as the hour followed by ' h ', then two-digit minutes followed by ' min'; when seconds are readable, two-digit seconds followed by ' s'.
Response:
3 h 23 min
